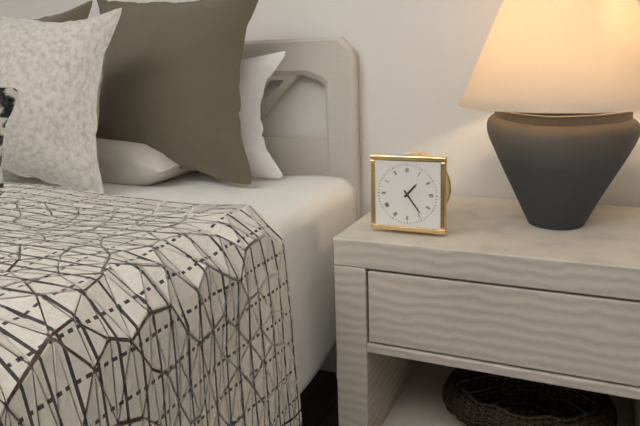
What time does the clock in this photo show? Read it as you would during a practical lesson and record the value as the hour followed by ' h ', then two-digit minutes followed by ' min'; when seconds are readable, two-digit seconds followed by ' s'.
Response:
1 h 24 min
